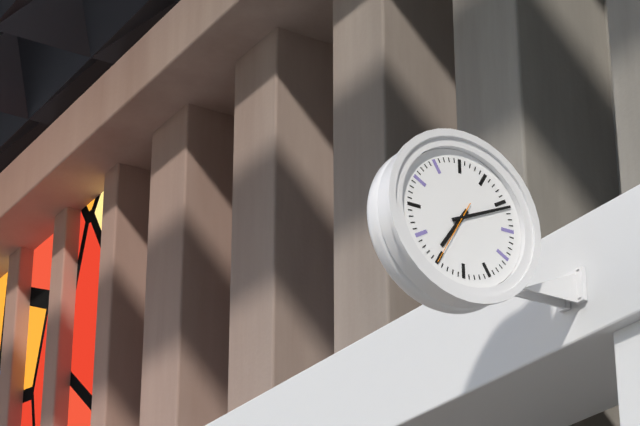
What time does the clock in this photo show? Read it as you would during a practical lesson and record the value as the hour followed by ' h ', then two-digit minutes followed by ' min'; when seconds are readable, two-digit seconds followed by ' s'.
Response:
7 h 11 min 35 s
